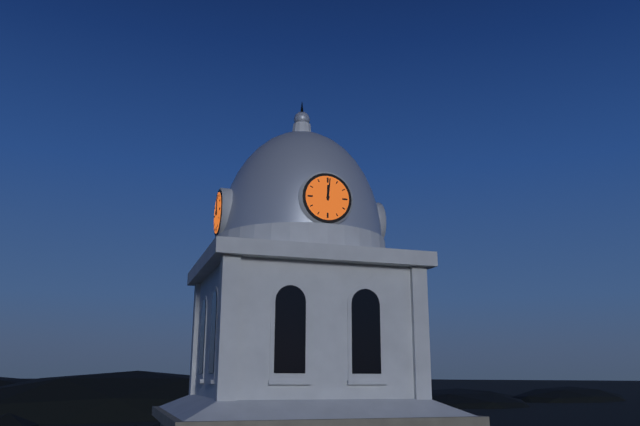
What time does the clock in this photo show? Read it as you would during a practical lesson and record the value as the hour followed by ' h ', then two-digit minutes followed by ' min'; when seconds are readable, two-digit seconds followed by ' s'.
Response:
12 h 01 min
